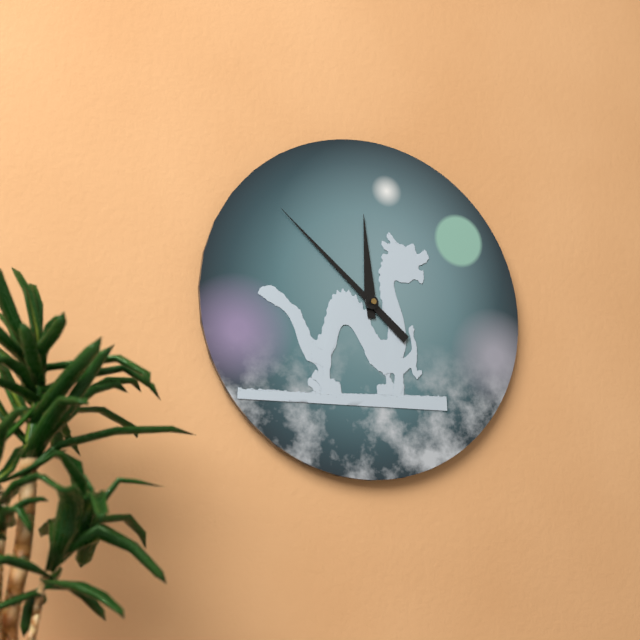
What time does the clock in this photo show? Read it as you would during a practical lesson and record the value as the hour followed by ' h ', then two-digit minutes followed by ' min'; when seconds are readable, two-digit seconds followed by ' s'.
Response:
11 h 52 min
